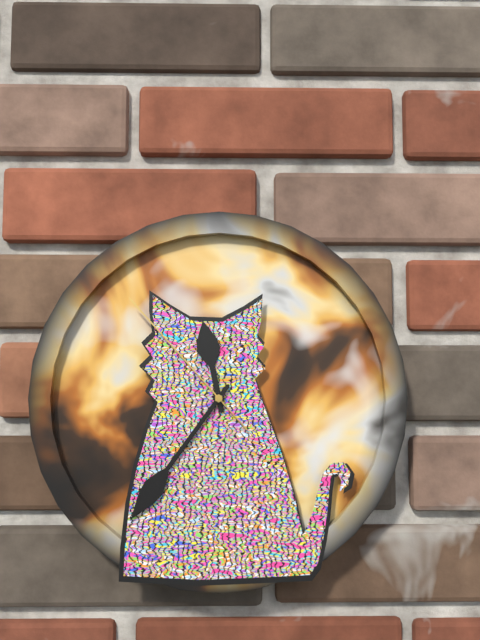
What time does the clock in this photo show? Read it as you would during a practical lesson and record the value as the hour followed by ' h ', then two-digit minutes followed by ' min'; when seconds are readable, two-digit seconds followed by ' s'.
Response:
11 h 36 min 53 s
